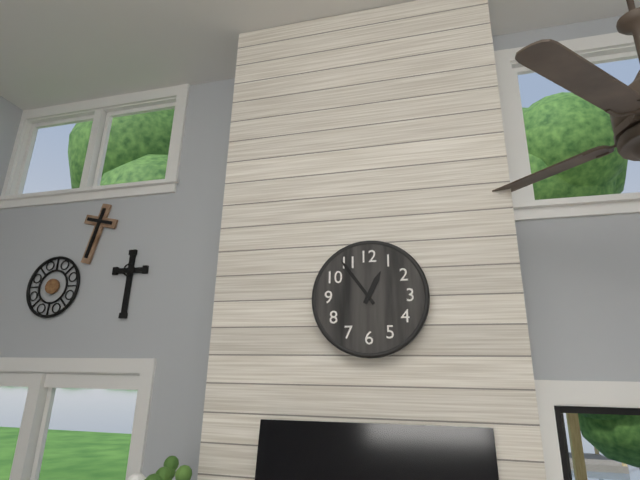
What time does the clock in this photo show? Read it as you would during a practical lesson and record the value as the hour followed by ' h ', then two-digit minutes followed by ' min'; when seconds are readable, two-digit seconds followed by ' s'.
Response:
12 h 54 min
